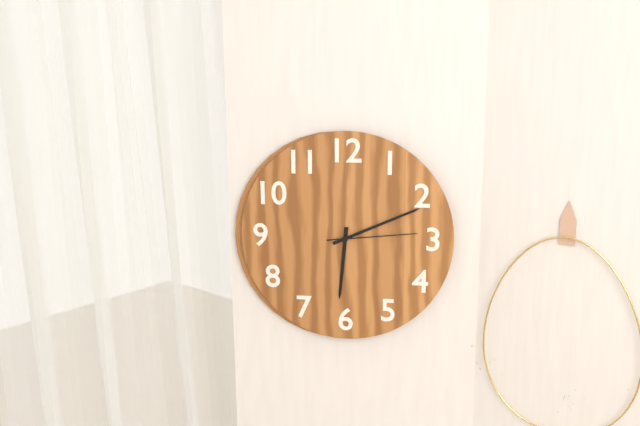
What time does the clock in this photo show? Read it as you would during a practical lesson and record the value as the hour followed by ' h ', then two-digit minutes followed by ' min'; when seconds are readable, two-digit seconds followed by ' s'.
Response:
6 h 11 min 14 s
